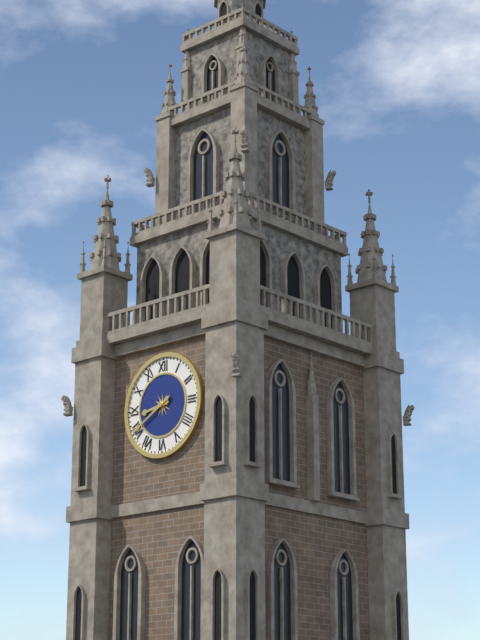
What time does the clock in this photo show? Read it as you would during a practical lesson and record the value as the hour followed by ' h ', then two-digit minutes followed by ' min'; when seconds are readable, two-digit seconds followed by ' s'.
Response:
8 h 40 min
